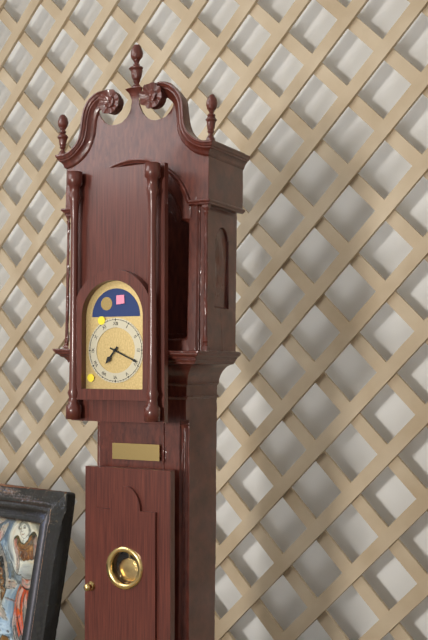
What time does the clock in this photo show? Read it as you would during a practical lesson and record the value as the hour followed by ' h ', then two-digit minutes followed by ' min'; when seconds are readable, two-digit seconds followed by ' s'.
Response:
7 h 19 min
